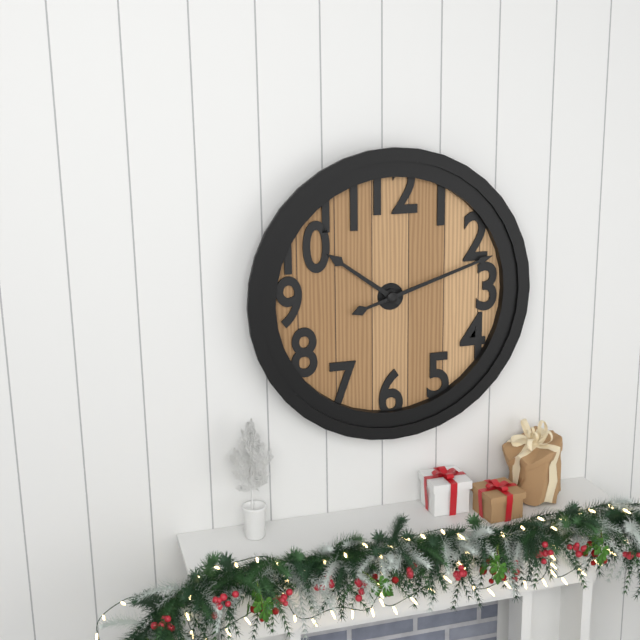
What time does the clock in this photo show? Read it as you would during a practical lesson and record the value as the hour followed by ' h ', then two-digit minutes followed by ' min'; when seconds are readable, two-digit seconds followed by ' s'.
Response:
10 h 12 min
